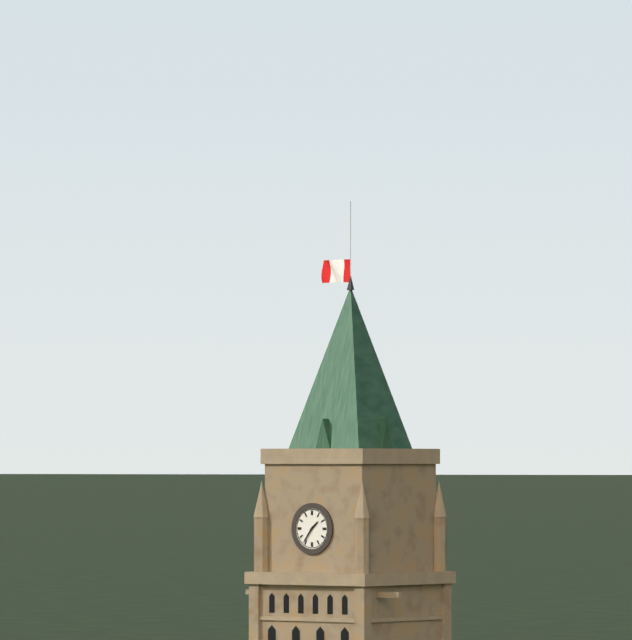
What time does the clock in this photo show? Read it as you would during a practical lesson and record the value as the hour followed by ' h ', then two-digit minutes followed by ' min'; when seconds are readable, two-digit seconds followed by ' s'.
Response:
1 h 36 min
